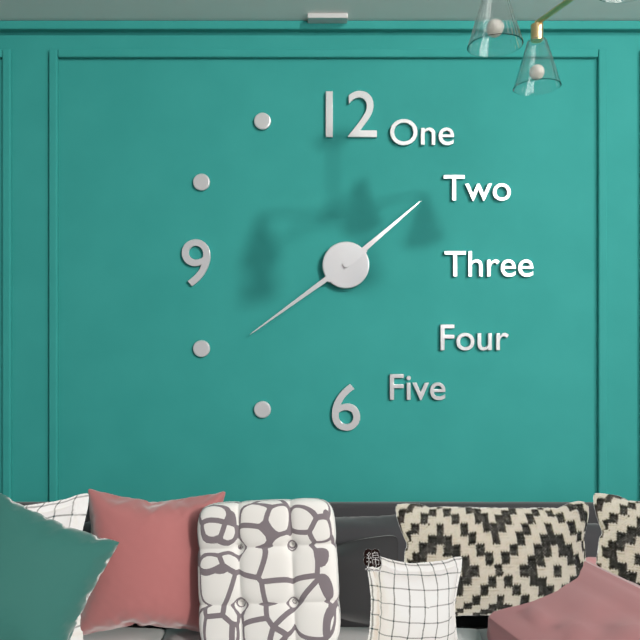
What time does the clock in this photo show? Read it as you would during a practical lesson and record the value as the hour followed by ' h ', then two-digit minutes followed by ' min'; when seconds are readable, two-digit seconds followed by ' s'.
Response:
1 h 39 min
